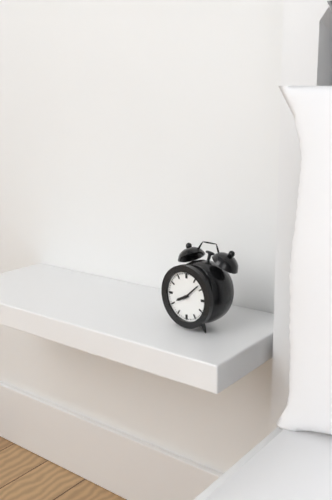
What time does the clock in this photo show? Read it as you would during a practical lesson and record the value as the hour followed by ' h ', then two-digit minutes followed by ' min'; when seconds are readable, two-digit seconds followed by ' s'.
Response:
8 h 08 min
